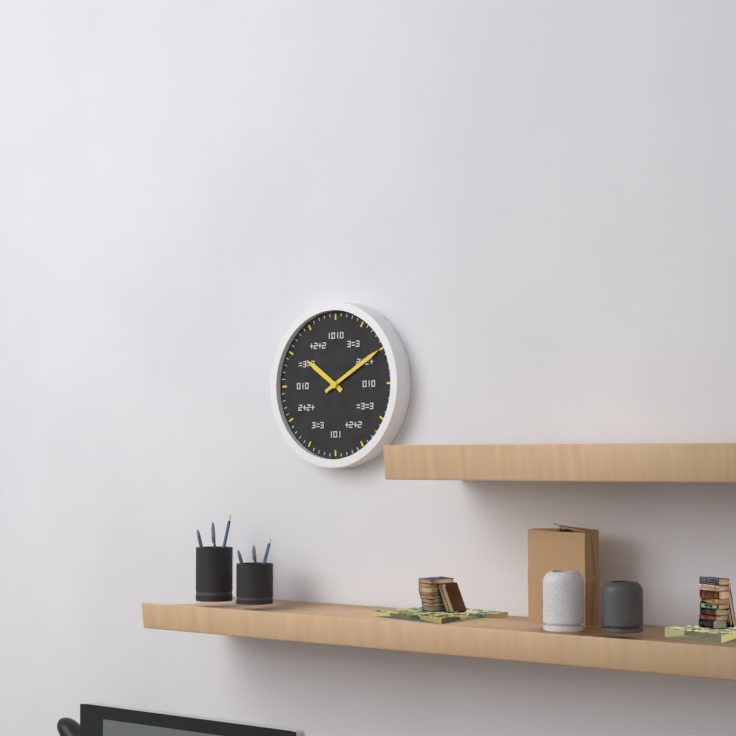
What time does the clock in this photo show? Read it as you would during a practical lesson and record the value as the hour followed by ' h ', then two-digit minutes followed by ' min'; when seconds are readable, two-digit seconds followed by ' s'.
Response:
10 h 10 min
